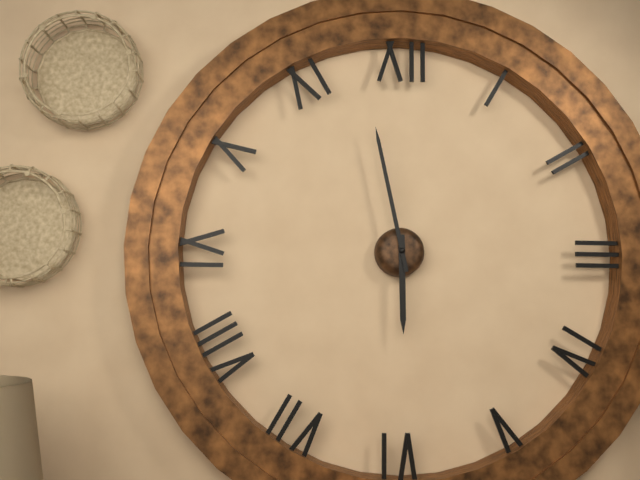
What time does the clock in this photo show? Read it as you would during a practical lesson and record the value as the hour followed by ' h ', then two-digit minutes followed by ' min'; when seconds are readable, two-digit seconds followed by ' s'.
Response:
5 h 58 min
